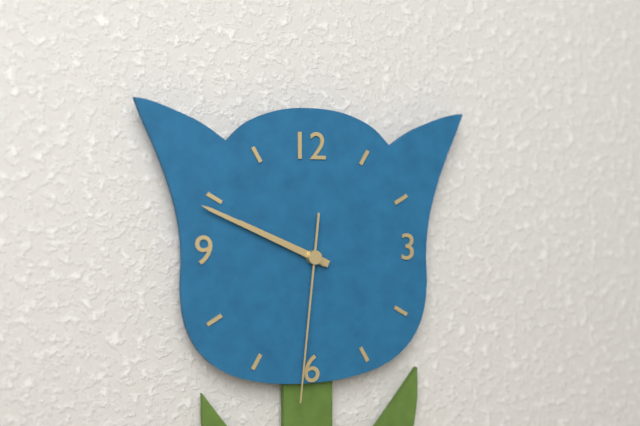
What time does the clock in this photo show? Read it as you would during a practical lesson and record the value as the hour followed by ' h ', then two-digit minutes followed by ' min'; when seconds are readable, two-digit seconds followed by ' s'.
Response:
9 h 49 min 31 s
